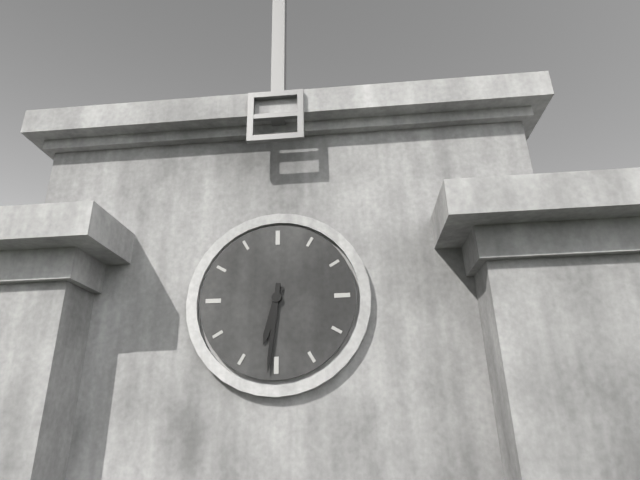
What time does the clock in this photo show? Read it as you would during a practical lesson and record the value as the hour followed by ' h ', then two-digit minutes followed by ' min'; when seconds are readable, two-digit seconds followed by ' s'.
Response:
6 h 31 min
